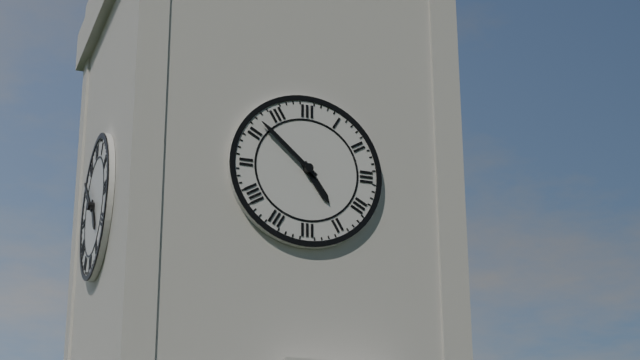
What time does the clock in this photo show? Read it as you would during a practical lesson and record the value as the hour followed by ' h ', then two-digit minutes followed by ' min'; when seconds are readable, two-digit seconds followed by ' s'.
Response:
4 h 52 min
